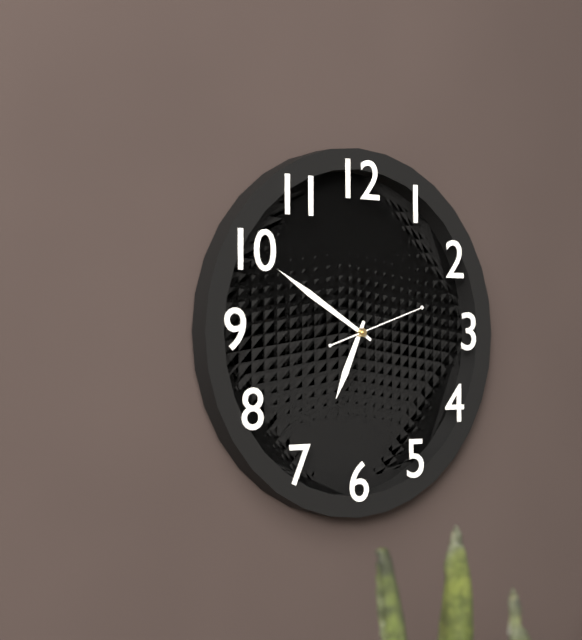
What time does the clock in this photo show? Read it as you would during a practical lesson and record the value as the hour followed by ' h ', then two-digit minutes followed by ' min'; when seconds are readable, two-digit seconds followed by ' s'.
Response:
6 h 50 min 12 s
